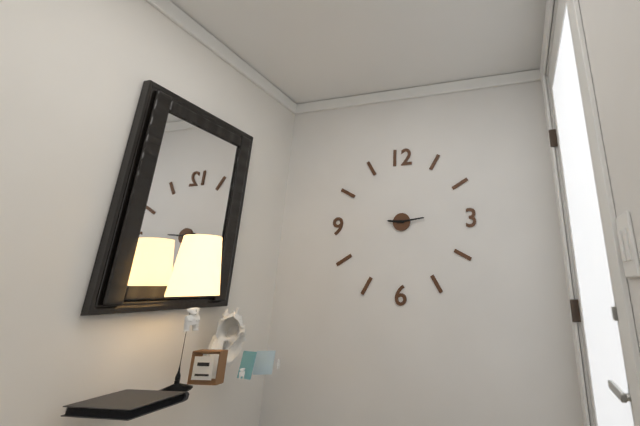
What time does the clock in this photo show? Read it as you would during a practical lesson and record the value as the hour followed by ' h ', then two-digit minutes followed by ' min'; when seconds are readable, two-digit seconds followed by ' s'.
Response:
9 h 14 min
